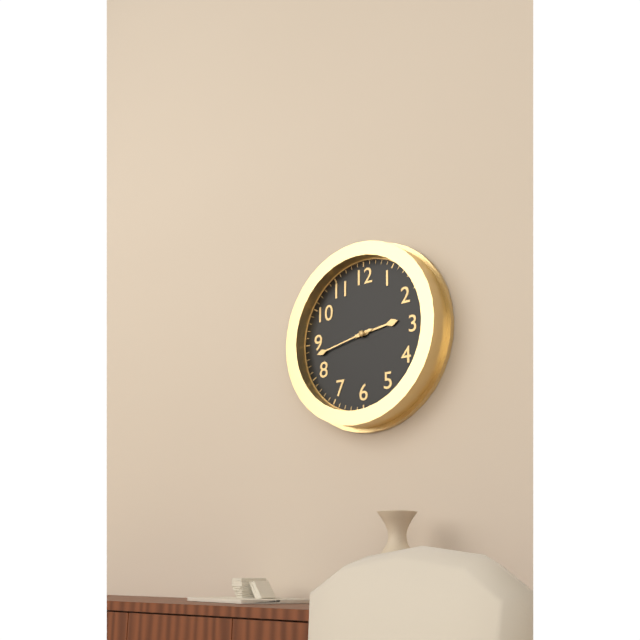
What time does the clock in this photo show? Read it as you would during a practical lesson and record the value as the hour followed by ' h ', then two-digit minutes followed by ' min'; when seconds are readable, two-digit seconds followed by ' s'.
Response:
2 h 43 min
